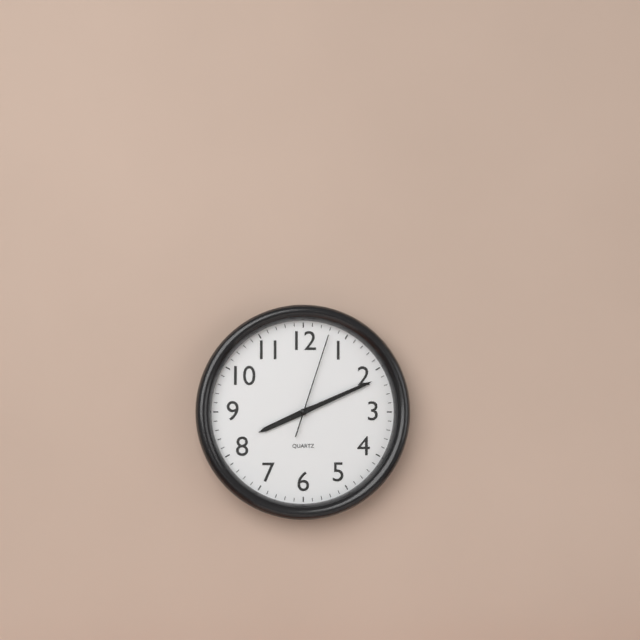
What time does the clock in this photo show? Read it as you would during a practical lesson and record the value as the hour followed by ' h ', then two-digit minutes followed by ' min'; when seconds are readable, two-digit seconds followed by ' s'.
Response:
8 h 11 min 03 s
